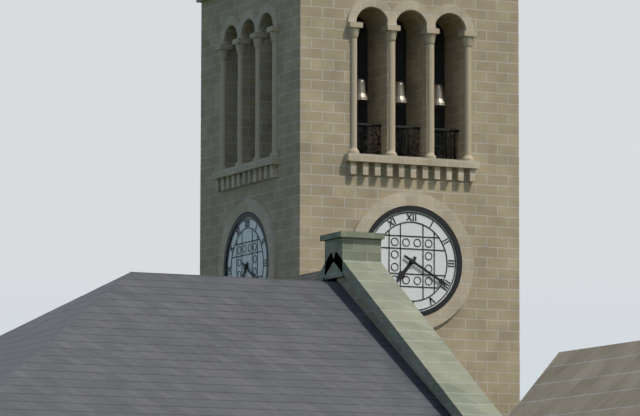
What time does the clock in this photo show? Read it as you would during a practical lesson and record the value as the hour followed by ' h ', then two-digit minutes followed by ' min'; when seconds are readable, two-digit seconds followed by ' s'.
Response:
7 h 20 min
